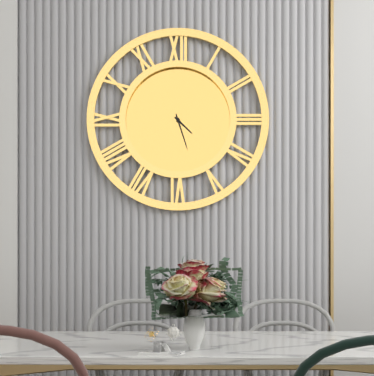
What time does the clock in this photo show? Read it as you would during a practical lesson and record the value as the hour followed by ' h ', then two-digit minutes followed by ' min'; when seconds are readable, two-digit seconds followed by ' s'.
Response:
4 h 27 min
